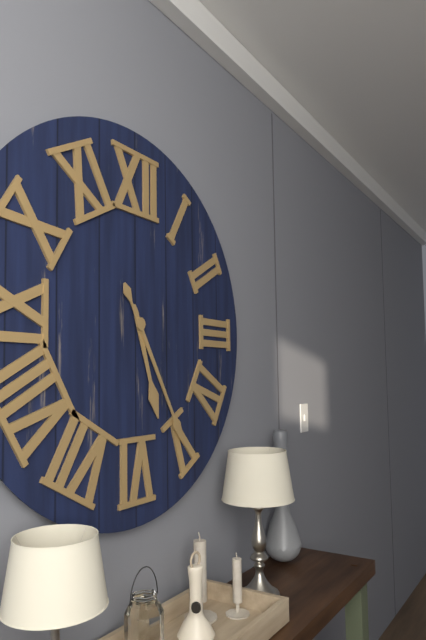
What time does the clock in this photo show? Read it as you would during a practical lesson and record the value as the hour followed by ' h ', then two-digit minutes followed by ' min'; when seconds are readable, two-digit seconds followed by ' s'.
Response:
5 h 25 min
